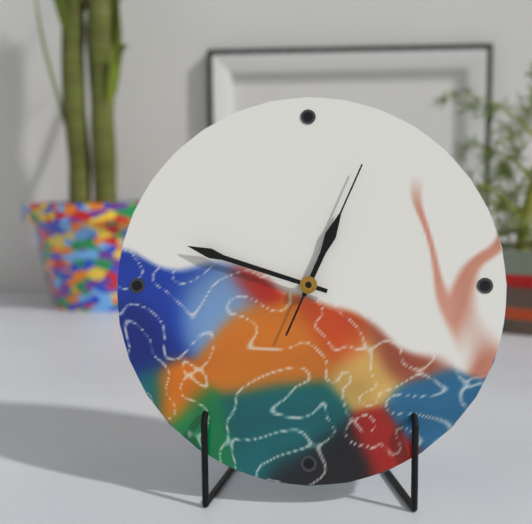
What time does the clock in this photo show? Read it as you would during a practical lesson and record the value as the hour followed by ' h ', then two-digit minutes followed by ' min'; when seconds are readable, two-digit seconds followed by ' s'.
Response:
12 h 48 min 04 s
